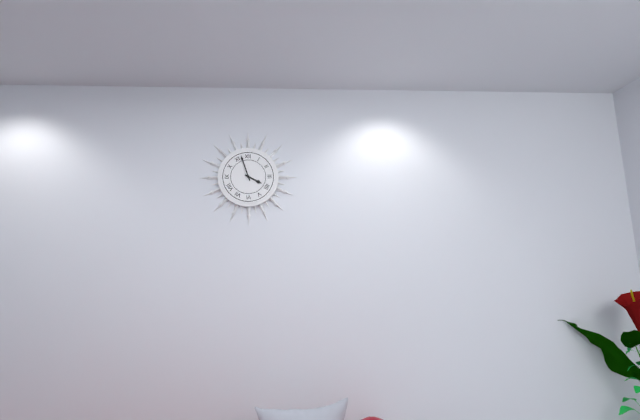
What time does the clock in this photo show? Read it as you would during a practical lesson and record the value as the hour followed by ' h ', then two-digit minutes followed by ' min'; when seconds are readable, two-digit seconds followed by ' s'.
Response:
3 h 57 min
